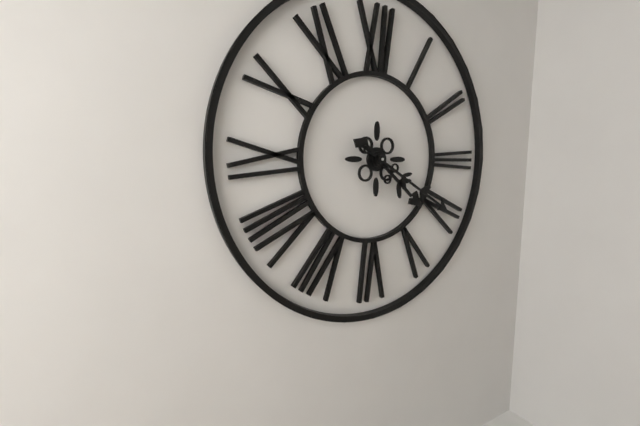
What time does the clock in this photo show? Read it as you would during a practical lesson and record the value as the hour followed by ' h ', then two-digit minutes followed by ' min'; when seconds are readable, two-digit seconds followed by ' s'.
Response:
4 h 20 min
